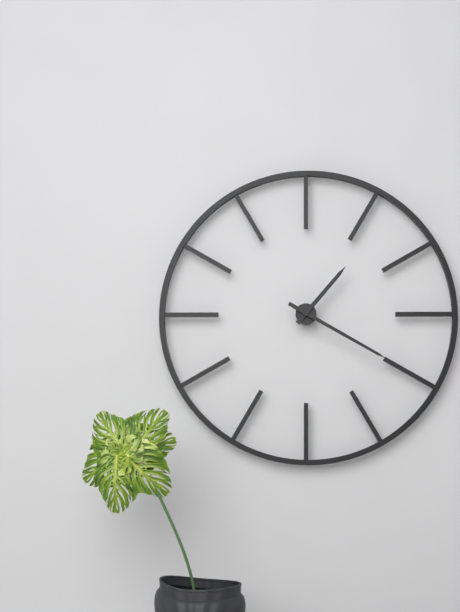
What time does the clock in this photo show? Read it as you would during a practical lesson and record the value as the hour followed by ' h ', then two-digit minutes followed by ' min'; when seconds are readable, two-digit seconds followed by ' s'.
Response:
1 h 20 min
